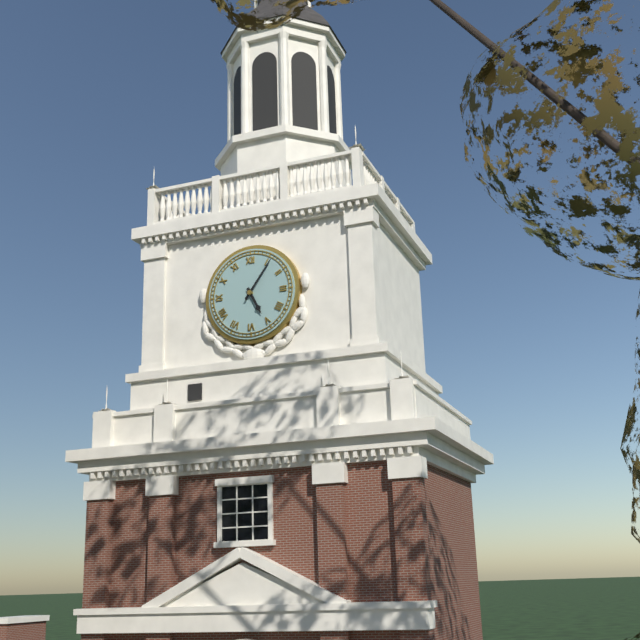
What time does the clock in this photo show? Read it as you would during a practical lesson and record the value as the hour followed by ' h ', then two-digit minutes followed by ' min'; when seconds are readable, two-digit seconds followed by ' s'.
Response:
5 h 06 min
